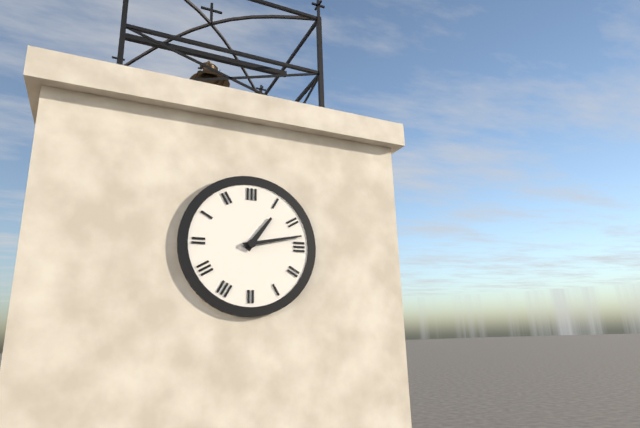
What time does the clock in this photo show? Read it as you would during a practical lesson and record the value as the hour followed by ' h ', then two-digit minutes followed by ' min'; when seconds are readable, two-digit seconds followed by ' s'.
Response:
1 h 13 min
